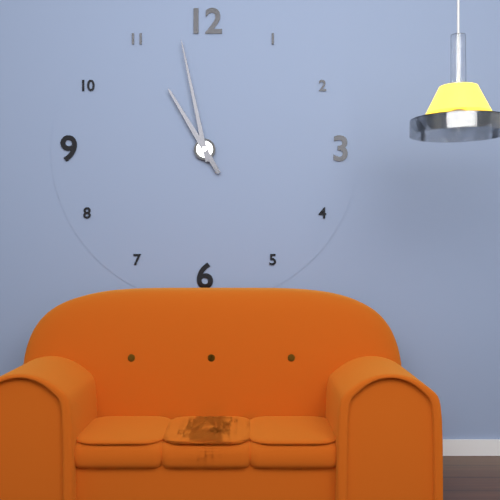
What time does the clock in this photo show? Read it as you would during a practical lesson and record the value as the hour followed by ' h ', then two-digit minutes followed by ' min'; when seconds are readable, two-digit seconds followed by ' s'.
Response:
10 h 58 min
